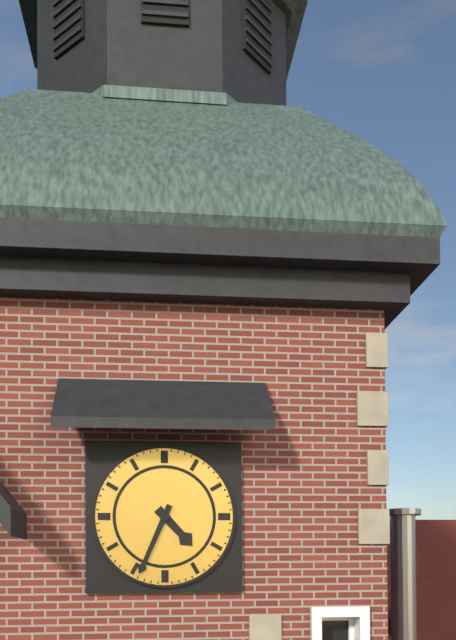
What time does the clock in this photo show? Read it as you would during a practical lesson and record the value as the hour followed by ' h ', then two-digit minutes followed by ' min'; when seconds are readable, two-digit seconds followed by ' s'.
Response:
4 h 34 min
